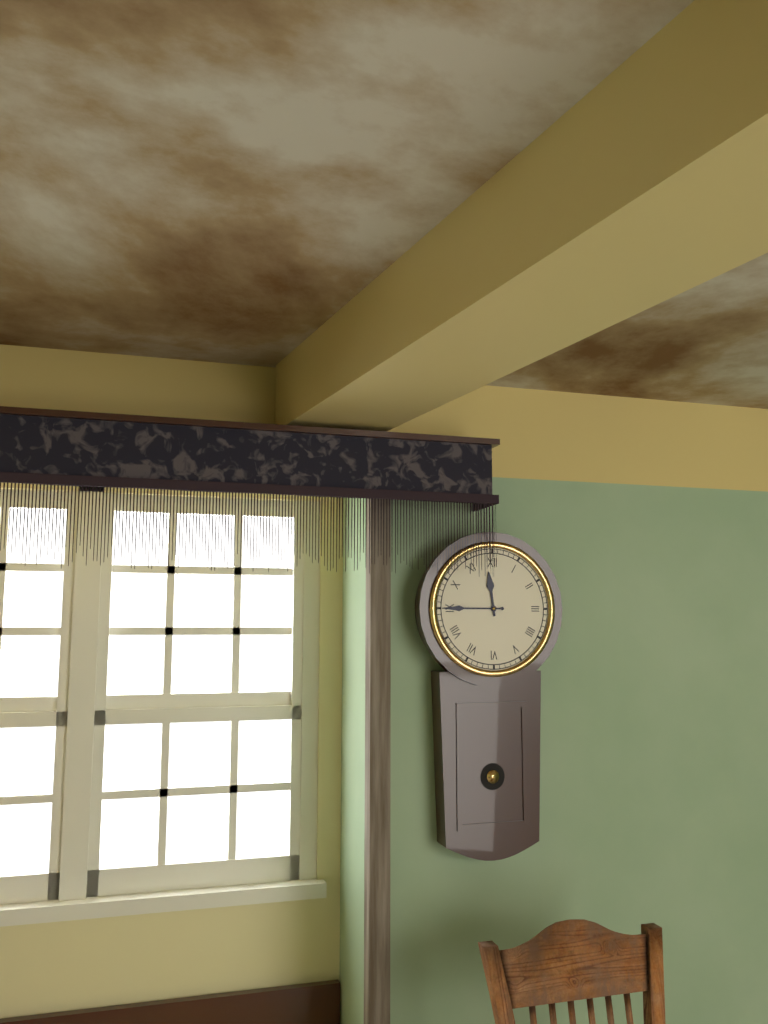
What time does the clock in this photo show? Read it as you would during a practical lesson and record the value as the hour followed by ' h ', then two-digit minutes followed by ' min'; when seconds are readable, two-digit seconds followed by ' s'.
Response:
11 h 45 min
